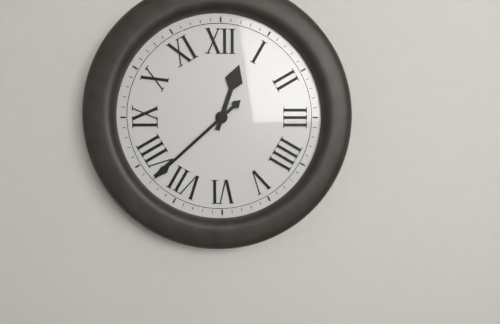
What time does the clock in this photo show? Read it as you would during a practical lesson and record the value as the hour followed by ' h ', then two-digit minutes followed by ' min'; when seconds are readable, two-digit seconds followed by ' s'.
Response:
12 h 38 min
